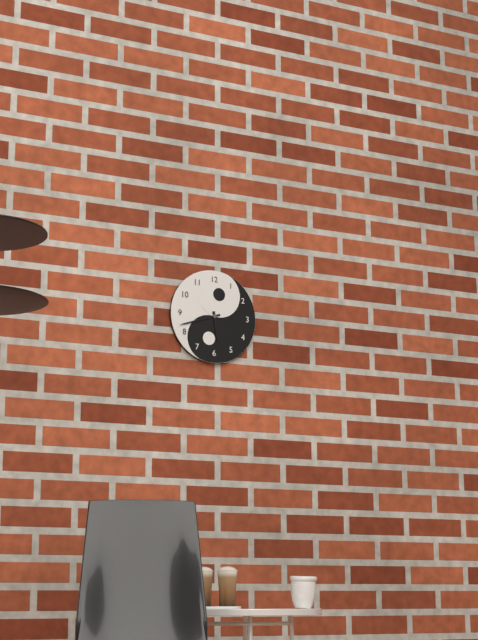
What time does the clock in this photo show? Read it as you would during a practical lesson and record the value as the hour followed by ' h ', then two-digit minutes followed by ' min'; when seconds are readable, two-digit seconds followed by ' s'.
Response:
5 h 42 min
